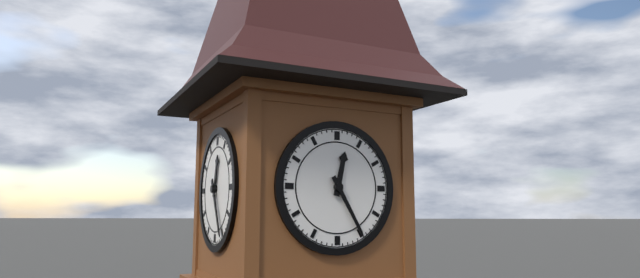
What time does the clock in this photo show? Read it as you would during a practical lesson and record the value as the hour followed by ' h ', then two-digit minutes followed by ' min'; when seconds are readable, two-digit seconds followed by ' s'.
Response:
12 h 25 min
